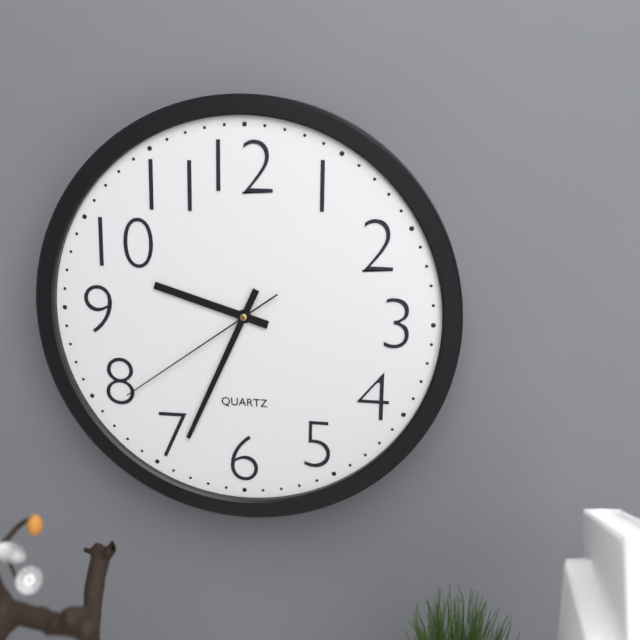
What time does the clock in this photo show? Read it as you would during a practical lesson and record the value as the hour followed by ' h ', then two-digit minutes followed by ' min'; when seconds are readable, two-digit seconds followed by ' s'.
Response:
9 h 34 min 39 s
